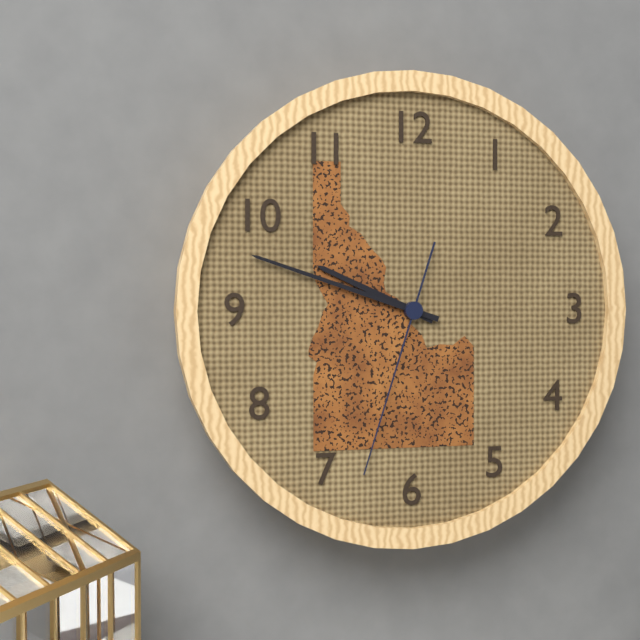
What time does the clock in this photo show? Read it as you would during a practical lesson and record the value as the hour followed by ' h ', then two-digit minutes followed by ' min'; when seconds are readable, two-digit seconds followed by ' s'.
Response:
9 h 48 min 33 s
